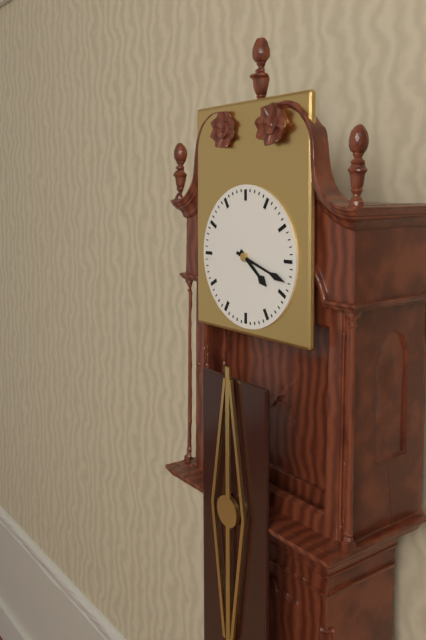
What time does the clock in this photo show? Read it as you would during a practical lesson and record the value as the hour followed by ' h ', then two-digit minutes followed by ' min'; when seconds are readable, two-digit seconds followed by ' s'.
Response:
4 h 18 min
